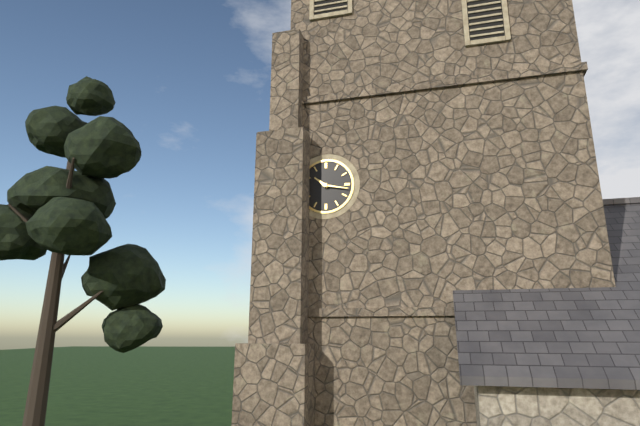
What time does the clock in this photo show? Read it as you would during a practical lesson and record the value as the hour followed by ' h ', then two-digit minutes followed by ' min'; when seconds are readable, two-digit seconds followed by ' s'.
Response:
10 h 17 min
